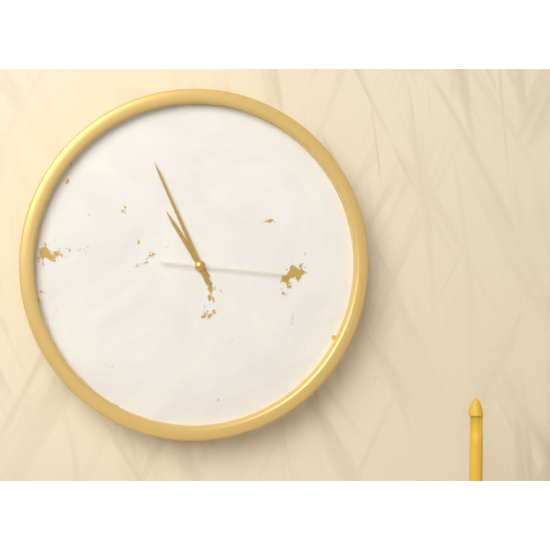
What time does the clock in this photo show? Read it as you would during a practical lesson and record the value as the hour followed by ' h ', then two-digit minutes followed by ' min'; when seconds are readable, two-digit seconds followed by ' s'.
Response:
10 h 56 min 16 s
